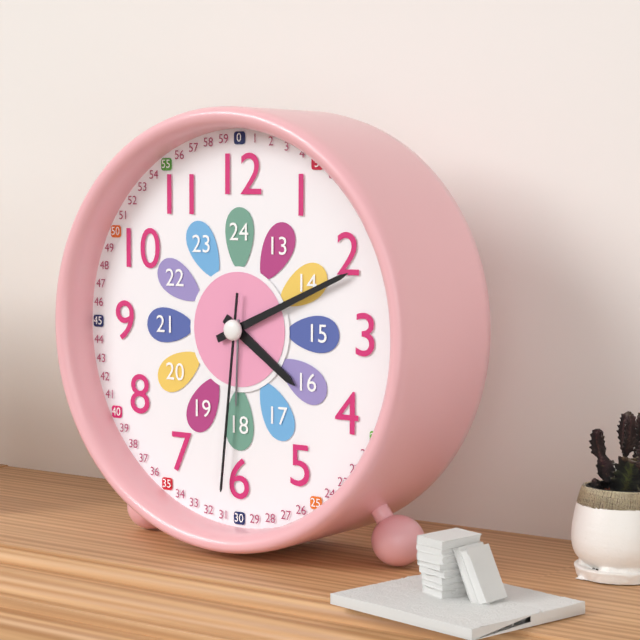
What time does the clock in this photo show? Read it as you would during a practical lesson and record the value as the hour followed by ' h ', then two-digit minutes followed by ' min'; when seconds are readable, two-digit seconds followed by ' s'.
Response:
4 h 11 min 31 s
